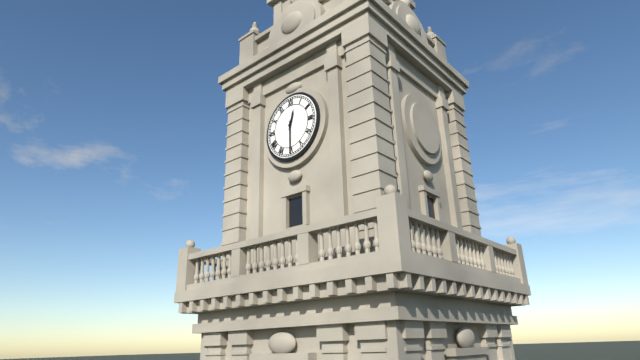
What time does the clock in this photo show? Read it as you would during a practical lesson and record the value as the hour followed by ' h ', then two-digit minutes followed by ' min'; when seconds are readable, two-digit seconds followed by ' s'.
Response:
12 h 30 min
